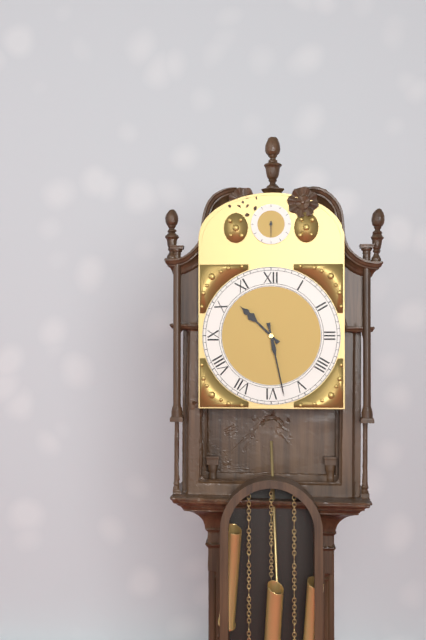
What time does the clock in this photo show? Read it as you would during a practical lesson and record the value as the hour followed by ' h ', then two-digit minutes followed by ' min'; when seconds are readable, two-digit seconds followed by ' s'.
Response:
10 h 28 min
